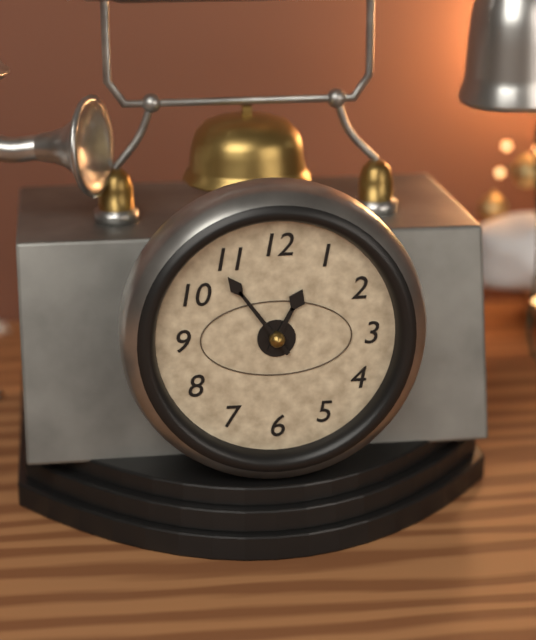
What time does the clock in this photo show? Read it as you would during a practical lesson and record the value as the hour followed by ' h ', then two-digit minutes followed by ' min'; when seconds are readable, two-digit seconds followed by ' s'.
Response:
12 h 54 min
